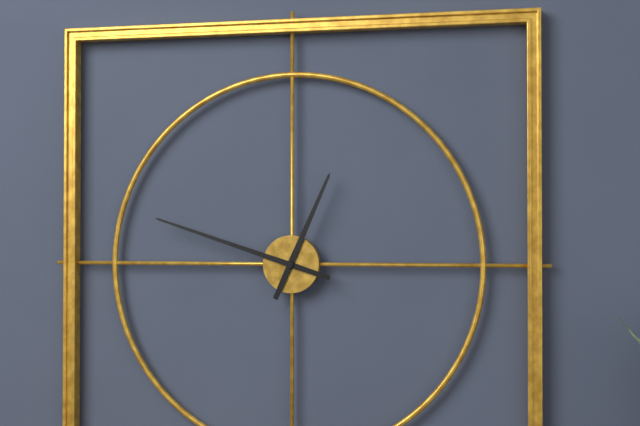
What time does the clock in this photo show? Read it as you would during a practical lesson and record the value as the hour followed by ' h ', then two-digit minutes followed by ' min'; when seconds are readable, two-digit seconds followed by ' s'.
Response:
12 h 48 min
